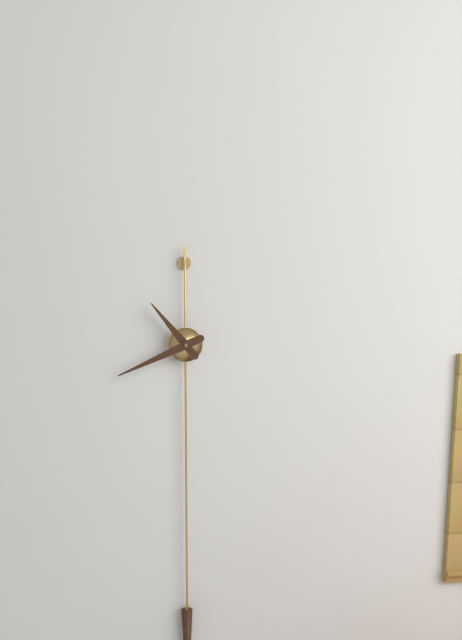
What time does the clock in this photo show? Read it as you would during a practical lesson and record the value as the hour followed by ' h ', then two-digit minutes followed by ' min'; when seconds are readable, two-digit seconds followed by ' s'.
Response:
10 h 41 min
